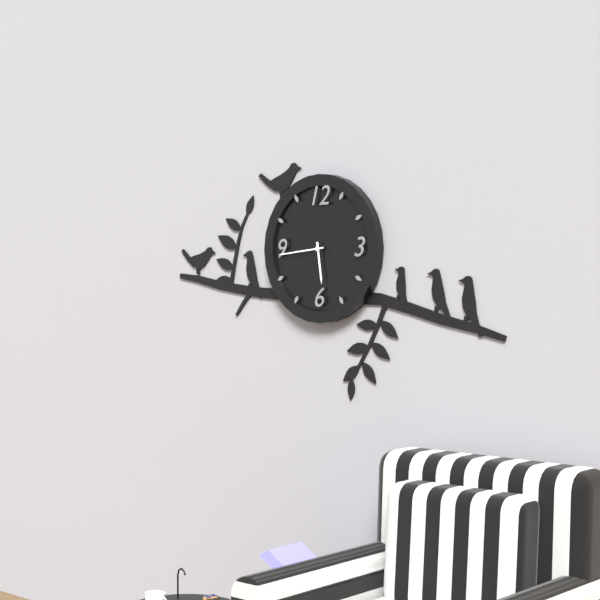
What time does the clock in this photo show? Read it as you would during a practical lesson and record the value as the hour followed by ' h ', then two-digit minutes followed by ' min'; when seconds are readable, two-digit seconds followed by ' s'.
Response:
5 h 44 min
